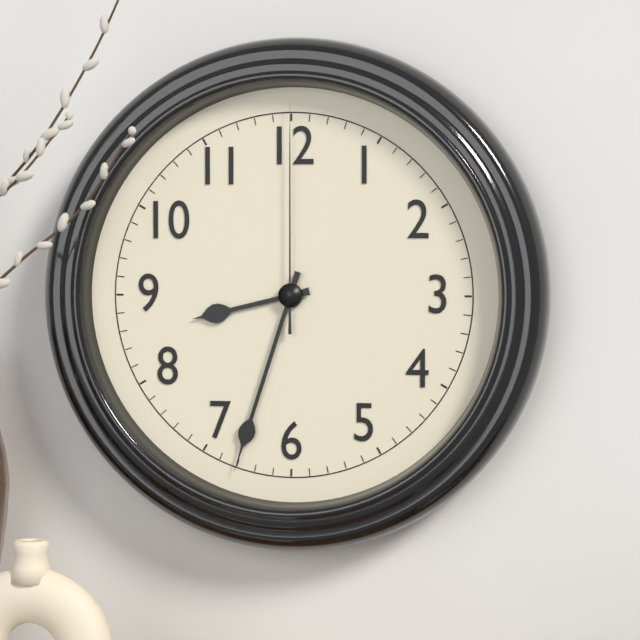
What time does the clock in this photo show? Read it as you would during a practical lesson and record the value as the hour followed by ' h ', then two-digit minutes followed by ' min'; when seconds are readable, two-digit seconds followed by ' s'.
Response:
8 h 33 min 00 s
